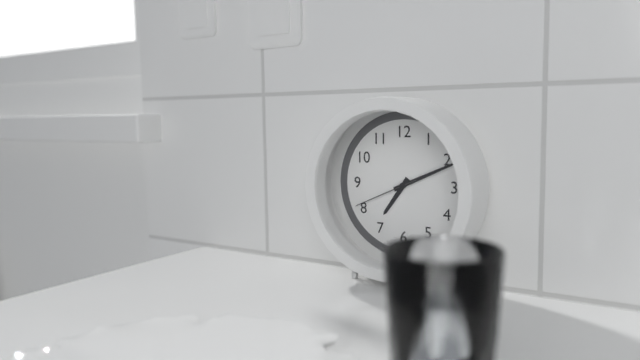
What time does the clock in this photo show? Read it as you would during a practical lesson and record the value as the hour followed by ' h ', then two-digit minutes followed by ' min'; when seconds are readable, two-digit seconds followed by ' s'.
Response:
7 h 11 min 41 s
